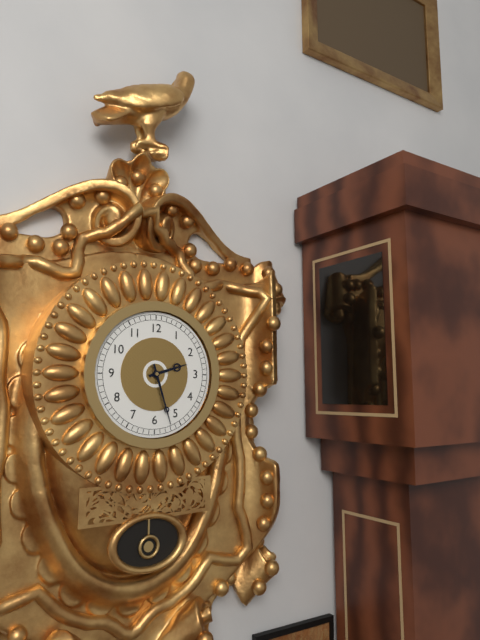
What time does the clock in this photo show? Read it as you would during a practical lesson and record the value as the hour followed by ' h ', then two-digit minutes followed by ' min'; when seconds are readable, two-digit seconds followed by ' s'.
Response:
2 h 27 min
